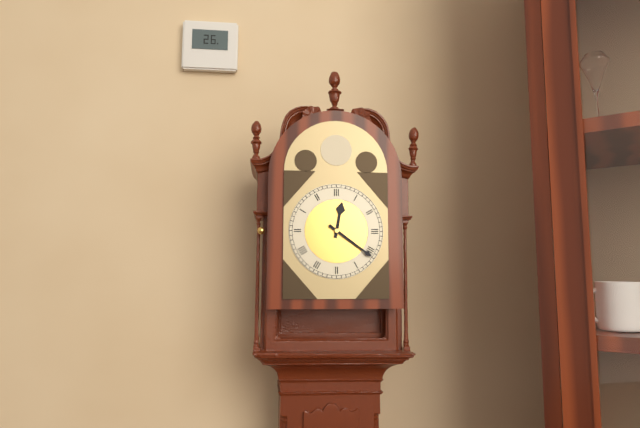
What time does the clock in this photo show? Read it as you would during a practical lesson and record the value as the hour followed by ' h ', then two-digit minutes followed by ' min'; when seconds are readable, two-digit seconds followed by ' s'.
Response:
12 h 21 min
